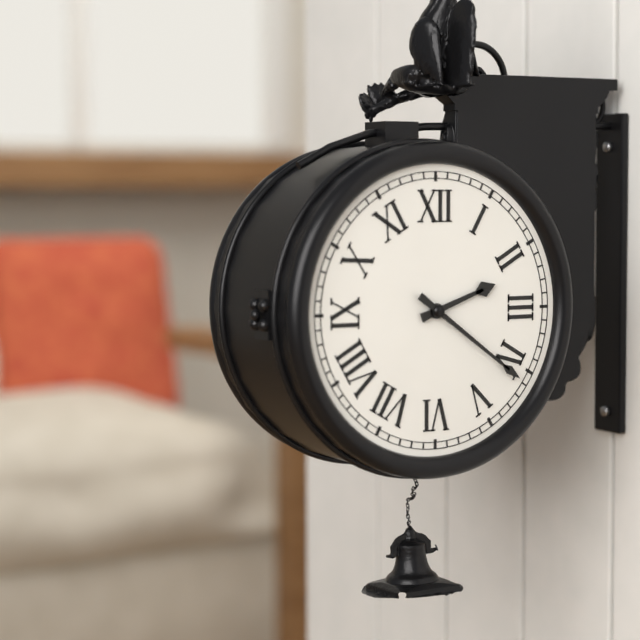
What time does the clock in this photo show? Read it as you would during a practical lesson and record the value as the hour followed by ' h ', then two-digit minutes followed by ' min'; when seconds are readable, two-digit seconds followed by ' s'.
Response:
2 h 21 min
